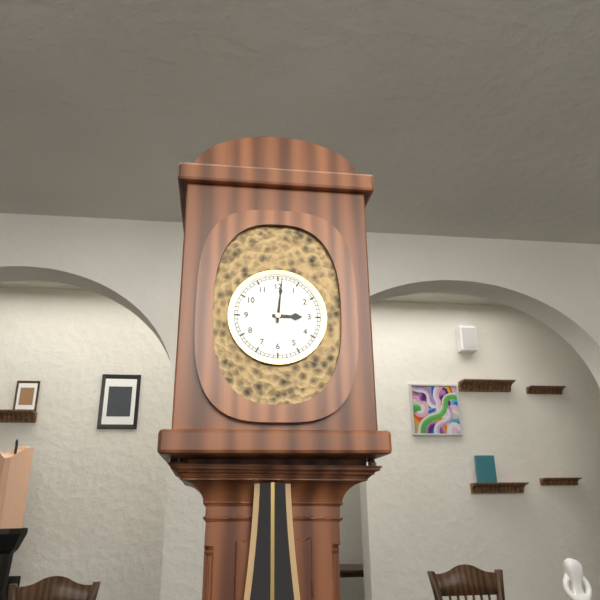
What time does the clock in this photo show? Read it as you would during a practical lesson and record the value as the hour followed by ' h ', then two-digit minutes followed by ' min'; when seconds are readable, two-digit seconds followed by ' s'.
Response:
3 h 01 min
